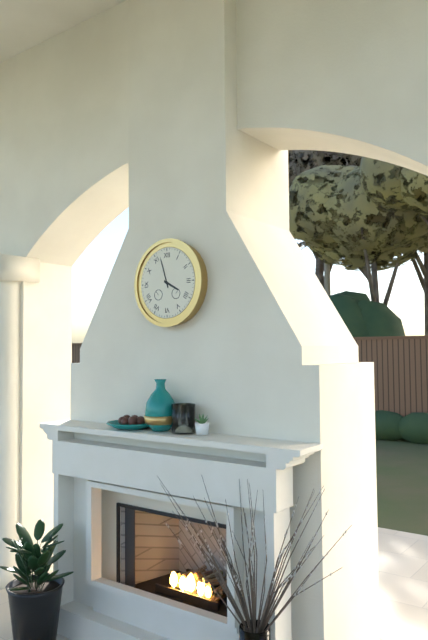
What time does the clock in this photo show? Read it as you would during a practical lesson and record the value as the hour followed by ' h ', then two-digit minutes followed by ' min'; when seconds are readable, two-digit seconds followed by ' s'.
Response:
3 h 57 min
